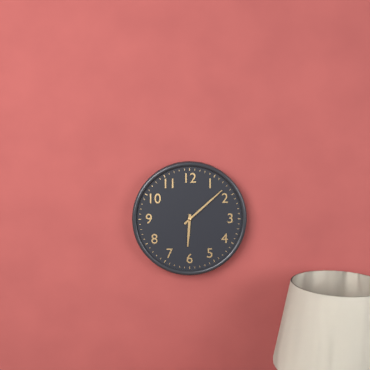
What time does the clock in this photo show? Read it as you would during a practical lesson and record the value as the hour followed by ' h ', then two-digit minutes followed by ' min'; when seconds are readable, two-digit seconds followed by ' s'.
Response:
6 h 08 min
